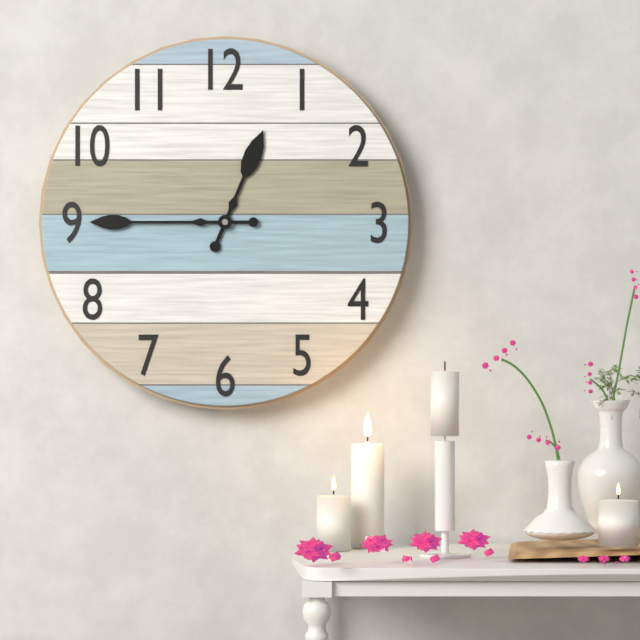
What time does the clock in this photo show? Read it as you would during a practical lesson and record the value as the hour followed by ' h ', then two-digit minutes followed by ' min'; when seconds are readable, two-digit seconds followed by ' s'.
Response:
12 h 45 min
